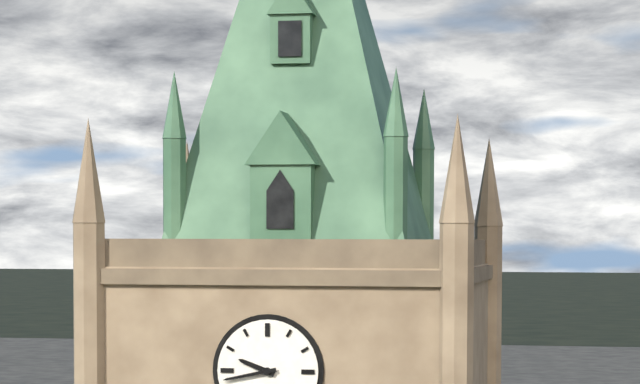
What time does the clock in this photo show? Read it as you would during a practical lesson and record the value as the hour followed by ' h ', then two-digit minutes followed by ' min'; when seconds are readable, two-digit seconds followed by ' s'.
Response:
9 h 43 min
